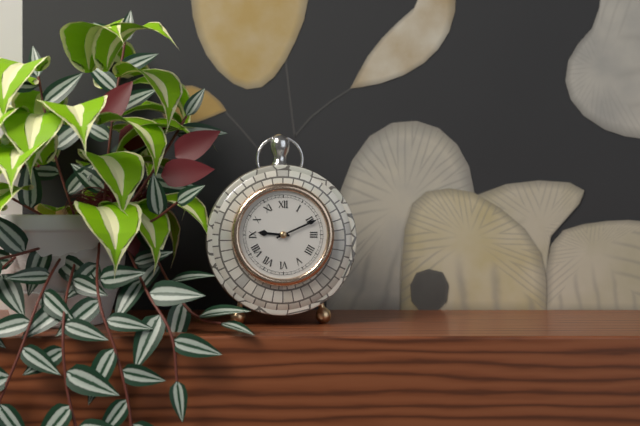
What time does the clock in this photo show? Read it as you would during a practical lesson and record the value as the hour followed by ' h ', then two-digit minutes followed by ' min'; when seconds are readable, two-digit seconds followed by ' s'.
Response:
9 h 11 min
